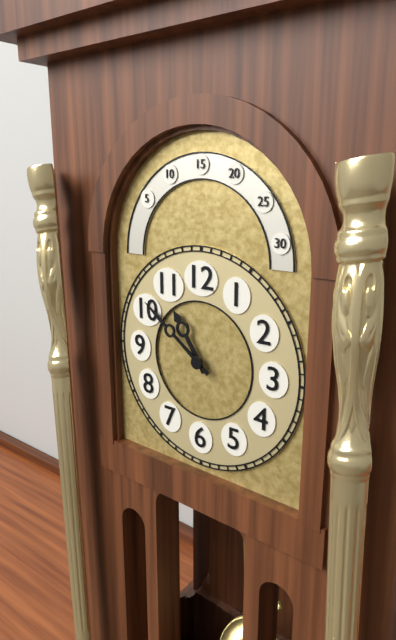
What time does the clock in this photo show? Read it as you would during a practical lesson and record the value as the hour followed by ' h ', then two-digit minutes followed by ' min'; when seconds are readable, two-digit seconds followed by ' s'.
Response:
10 h 51 min
